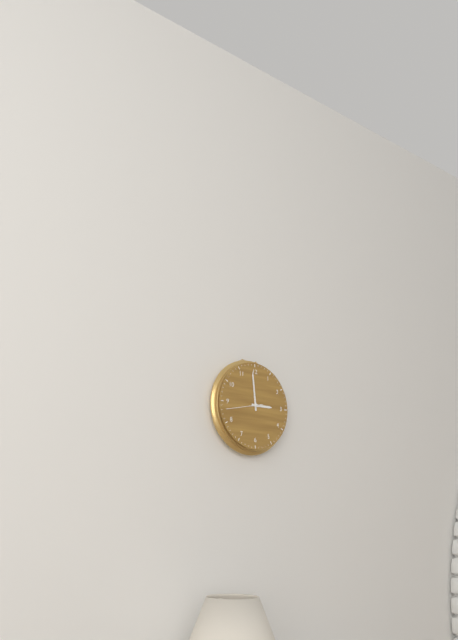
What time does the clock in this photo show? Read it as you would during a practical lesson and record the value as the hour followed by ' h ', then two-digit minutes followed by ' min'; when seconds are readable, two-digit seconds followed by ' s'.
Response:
2 h 59 min
